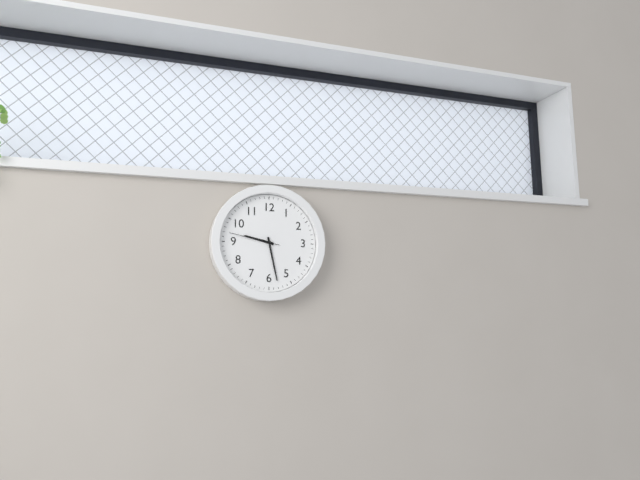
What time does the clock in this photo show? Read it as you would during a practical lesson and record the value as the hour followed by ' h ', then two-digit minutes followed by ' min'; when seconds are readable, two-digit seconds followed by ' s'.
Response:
9 h 28 min 47 s
